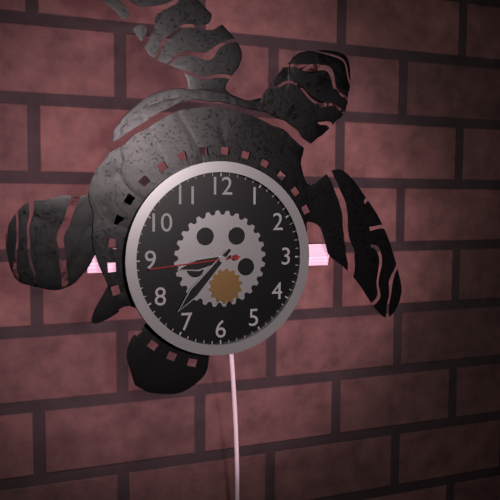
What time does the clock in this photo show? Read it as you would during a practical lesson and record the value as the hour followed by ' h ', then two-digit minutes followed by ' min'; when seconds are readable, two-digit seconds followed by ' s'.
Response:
8 h 37 min 44 s
